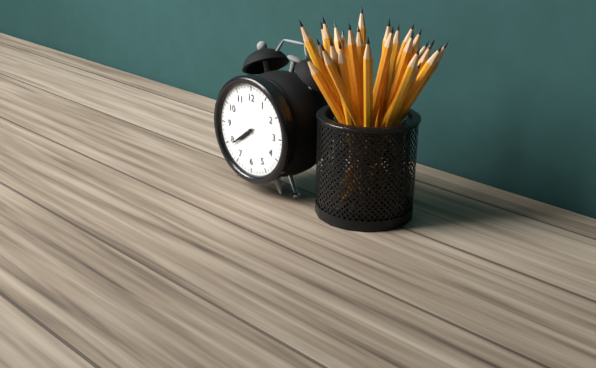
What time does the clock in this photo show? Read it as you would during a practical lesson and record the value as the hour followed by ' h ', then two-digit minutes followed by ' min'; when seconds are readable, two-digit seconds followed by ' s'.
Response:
7 h 39 min
